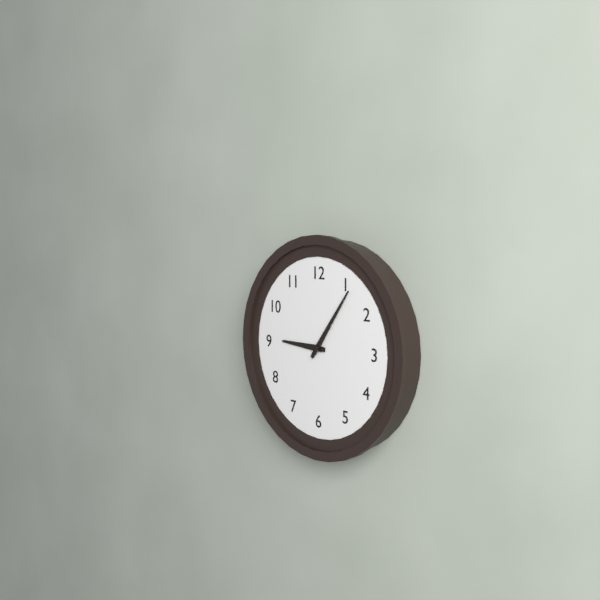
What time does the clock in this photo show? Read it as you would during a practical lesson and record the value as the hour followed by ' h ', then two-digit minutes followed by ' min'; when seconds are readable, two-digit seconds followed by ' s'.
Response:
9 h 06 min
